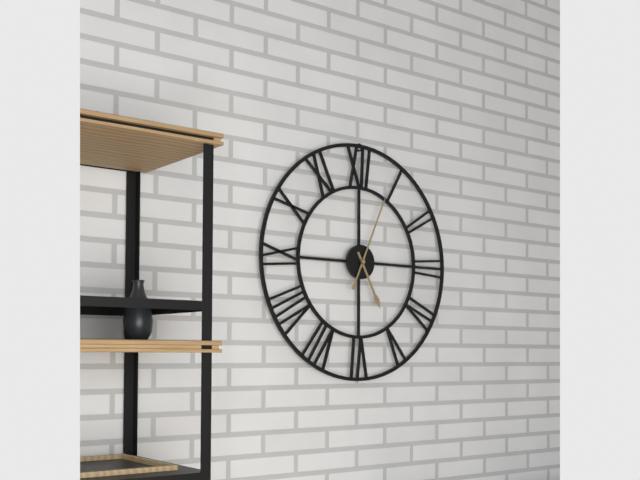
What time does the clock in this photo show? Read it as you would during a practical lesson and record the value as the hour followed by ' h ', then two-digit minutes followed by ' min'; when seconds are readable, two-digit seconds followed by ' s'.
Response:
5 h 04 min
